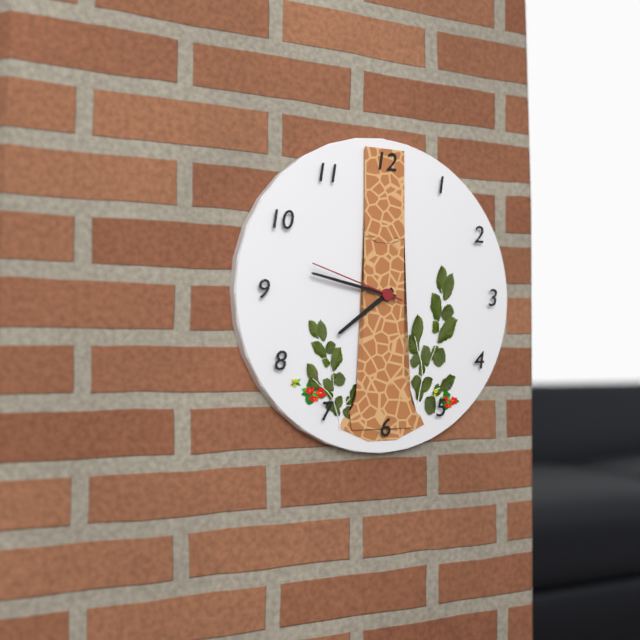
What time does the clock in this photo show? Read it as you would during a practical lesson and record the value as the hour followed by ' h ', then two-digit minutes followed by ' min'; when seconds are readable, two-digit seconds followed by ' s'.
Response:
7 h 47 min 48 s
